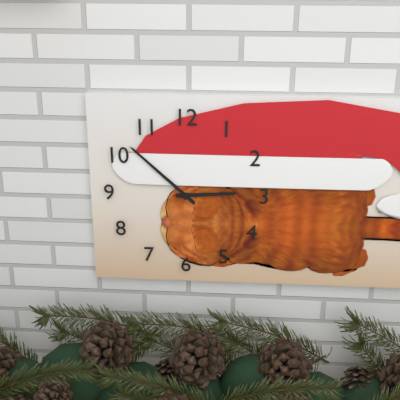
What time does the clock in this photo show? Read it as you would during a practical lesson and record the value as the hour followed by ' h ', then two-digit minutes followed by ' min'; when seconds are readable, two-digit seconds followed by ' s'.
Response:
2 h 52 min
